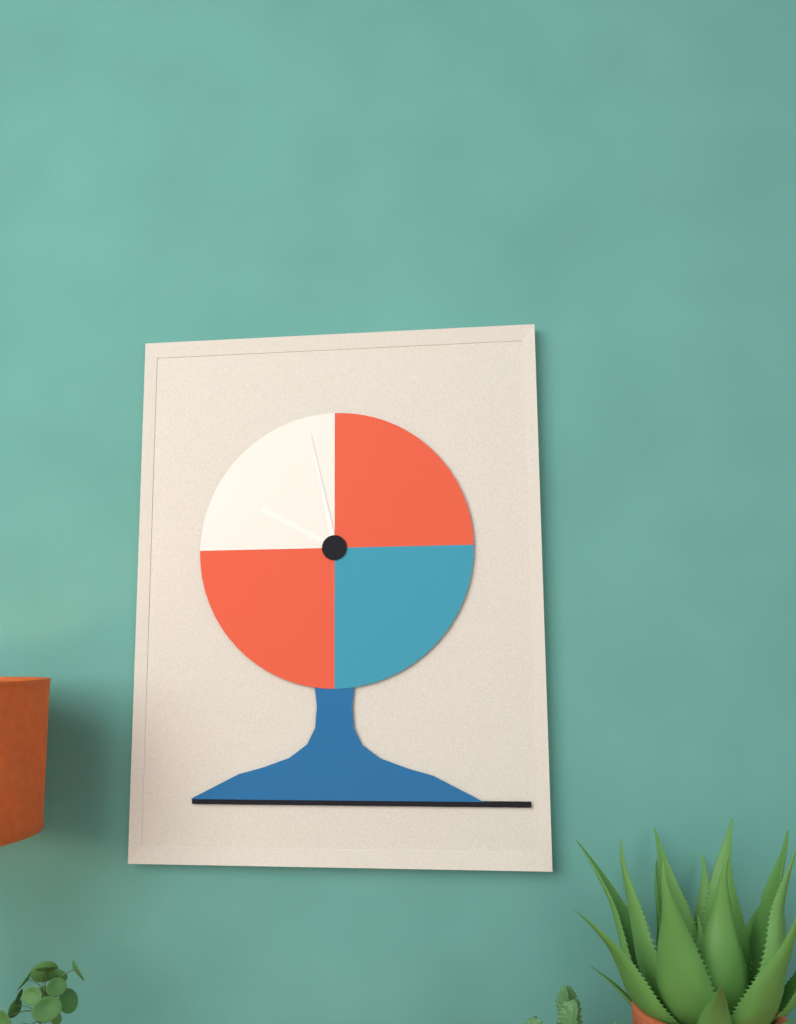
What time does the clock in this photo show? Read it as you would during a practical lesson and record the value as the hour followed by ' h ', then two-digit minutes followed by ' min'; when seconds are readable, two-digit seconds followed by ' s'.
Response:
9 h 58 min
